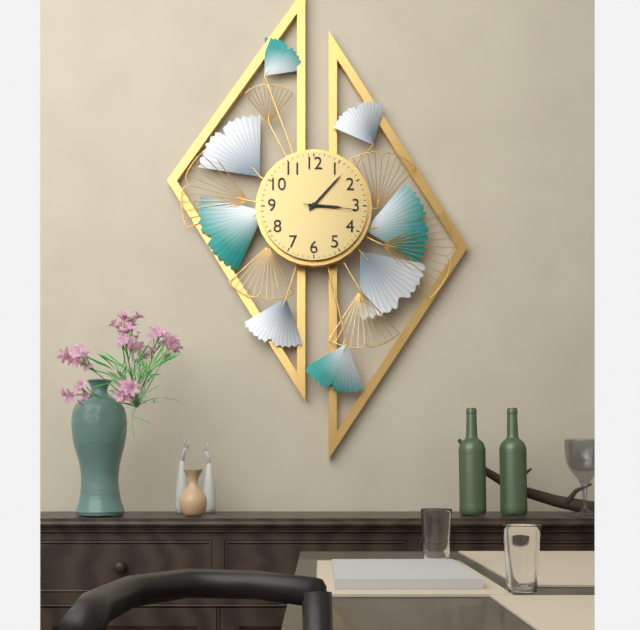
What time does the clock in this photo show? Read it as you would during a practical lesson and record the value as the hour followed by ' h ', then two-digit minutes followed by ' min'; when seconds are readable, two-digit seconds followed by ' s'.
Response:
3 h 07 min 16 s
